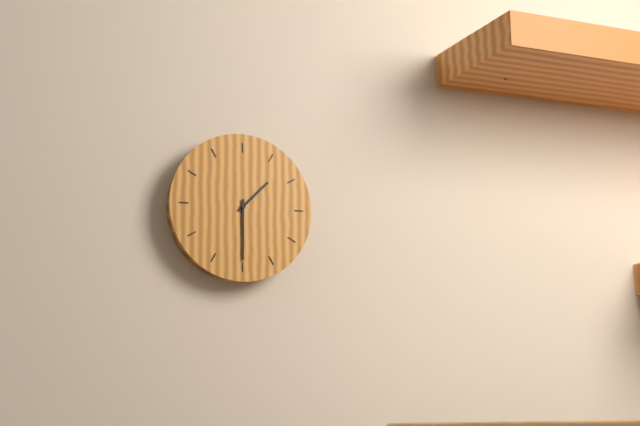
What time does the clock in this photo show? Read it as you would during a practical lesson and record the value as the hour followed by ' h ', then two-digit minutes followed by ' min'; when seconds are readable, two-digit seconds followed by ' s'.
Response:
1 h 30 min
